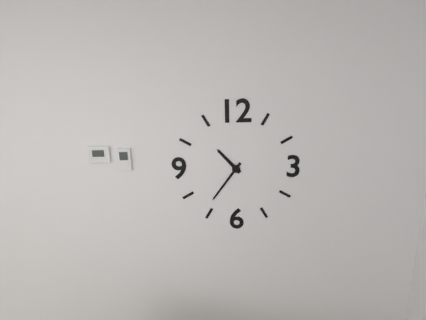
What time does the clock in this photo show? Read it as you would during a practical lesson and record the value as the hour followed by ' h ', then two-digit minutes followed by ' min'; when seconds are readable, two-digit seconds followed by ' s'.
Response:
10 h 36 min
